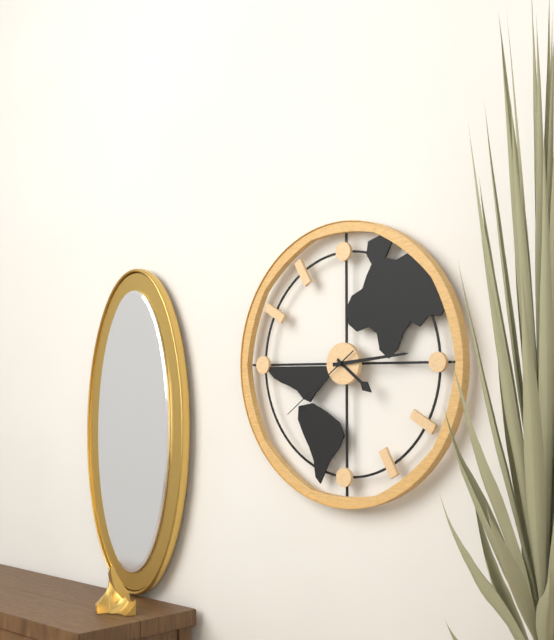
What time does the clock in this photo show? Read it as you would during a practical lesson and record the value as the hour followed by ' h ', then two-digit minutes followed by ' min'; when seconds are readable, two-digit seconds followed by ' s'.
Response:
4 h 14 min 39 s
